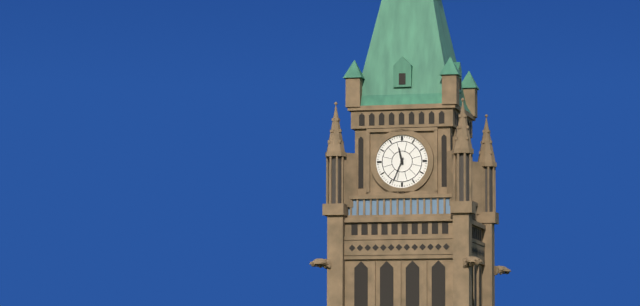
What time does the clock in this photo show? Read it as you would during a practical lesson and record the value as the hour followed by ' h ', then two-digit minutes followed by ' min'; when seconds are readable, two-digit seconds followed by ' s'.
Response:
11 h 34 min
